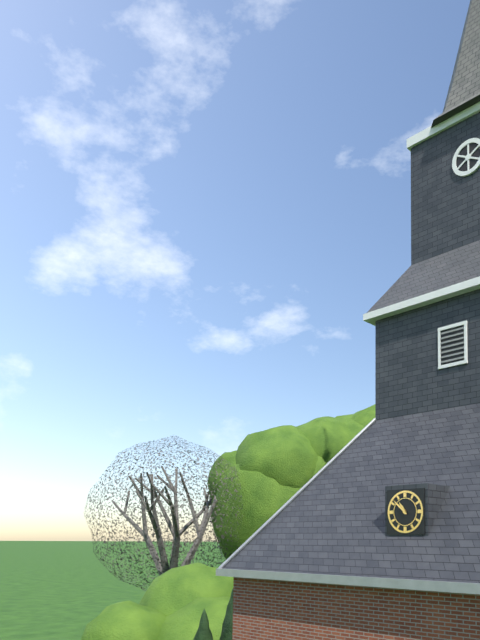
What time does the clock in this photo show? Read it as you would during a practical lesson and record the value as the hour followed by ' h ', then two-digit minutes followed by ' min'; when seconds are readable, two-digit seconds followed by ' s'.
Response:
10 h 52 min
